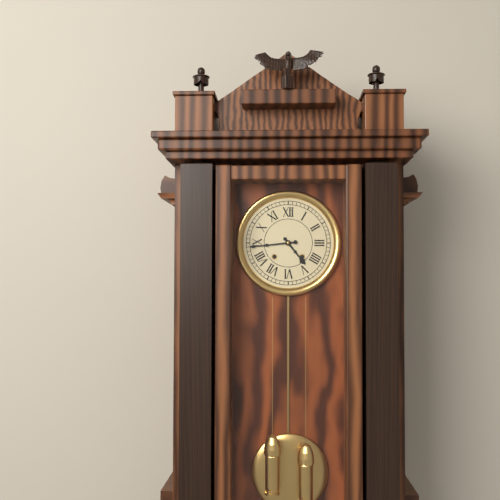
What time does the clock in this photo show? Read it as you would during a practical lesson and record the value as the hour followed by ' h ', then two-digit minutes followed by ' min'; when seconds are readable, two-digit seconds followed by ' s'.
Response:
4 h 44 min
